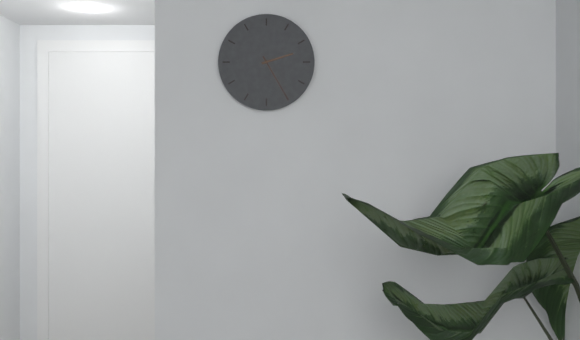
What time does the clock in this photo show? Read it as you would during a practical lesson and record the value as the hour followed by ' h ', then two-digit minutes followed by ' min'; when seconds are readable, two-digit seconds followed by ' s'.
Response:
2 h 25 min
